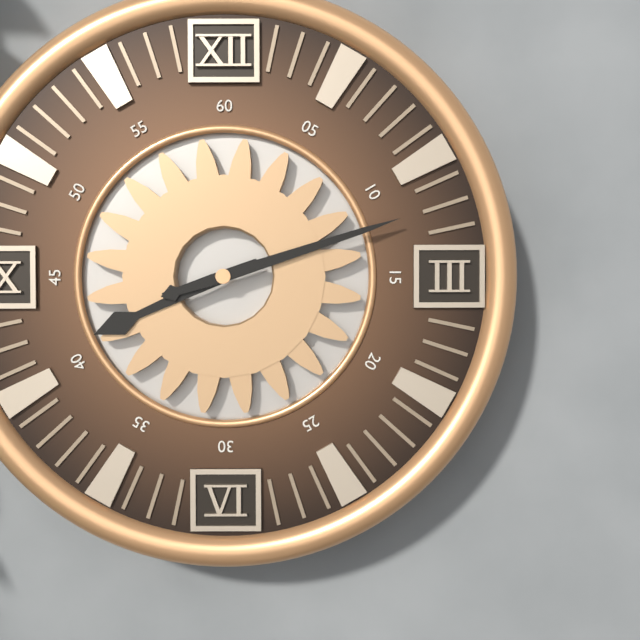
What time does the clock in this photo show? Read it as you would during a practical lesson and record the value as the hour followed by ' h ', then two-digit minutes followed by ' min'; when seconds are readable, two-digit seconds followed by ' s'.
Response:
8 h 12 min
